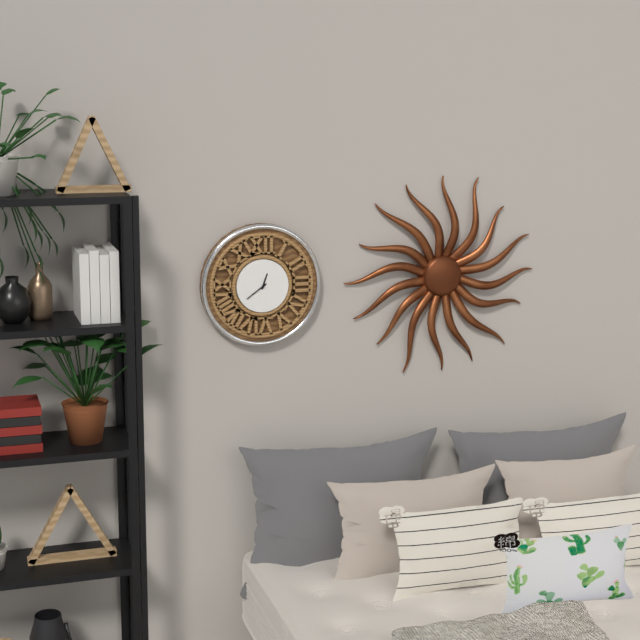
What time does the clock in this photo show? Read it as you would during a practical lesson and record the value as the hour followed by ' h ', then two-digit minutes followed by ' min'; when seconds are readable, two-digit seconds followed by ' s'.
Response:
12 h 39 min
